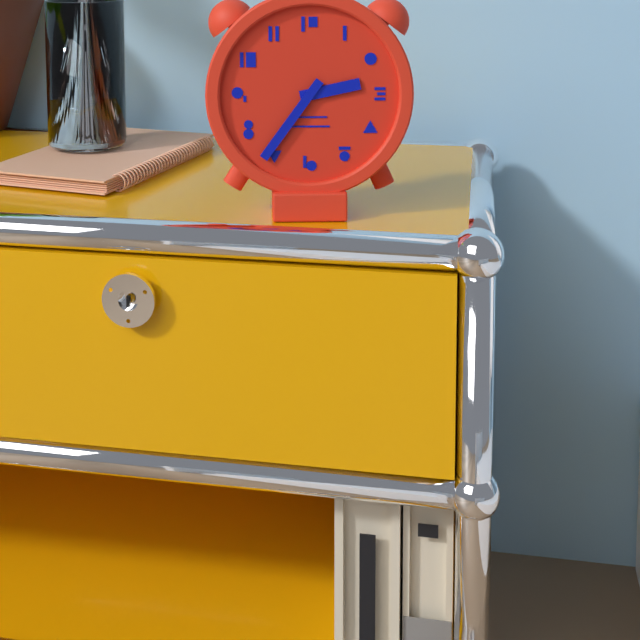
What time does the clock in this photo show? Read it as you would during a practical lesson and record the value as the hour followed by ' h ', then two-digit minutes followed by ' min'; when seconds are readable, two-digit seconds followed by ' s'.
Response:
2 h 36 min
